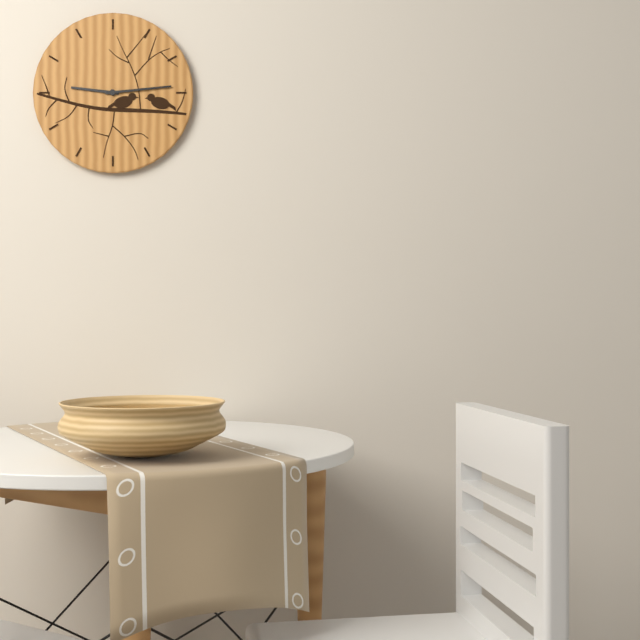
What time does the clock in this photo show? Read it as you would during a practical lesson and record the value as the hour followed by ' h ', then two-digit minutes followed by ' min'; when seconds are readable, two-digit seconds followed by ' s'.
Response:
9 h 14 min
